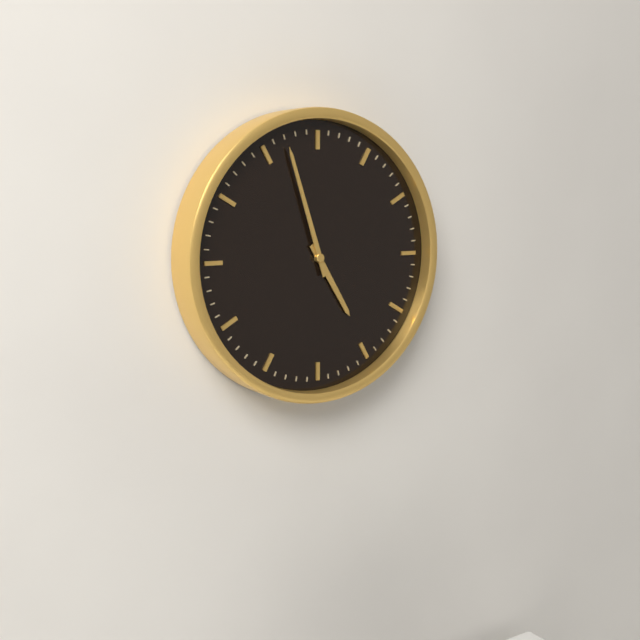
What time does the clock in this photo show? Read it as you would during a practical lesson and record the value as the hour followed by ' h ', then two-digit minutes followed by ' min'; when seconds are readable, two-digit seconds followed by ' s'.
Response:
4 h 57 min
